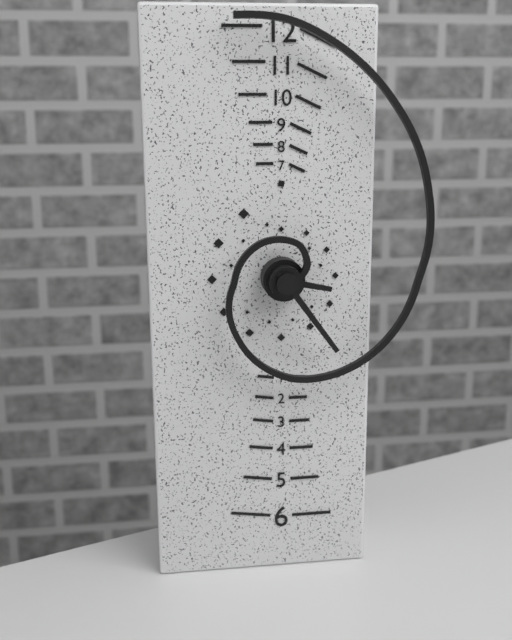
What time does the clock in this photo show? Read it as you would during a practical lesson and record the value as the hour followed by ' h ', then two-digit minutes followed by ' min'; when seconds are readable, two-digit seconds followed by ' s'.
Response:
3 h 24 min
